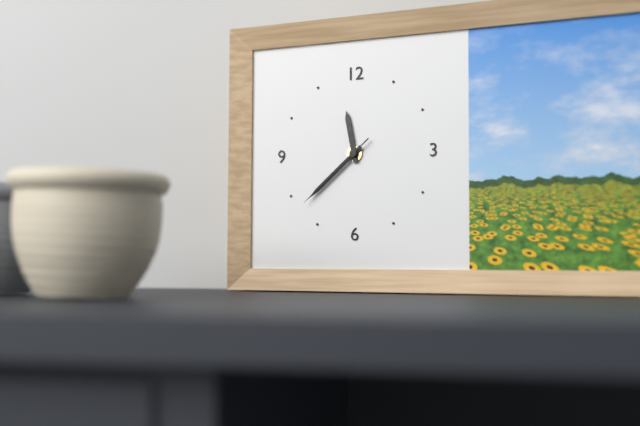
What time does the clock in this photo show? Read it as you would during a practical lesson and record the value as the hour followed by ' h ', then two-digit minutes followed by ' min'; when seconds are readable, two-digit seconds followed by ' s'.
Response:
11 h 38 min 38 s
